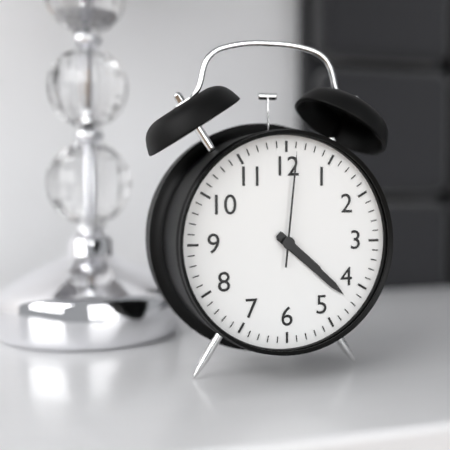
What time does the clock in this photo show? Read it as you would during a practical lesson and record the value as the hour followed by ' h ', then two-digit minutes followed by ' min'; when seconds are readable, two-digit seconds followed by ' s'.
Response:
4 h 22 min 01 s
